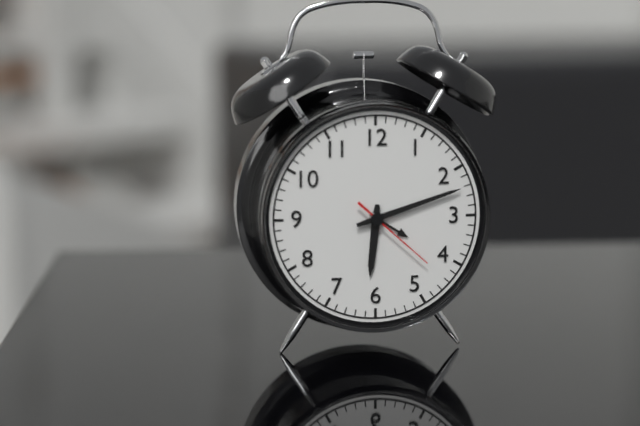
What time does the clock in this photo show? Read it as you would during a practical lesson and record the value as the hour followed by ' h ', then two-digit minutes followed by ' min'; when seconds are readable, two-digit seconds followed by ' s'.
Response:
6 h 12 min 22 s
